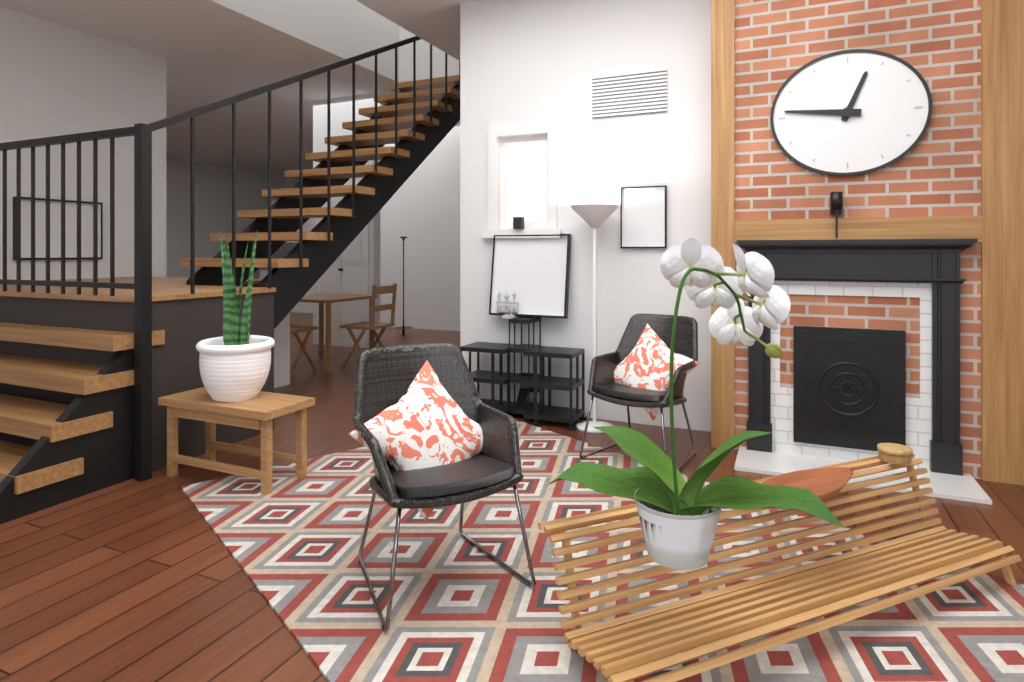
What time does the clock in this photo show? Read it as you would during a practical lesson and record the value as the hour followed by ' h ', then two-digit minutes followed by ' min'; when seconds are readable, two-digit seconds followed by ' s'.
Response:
12 h 46 min
